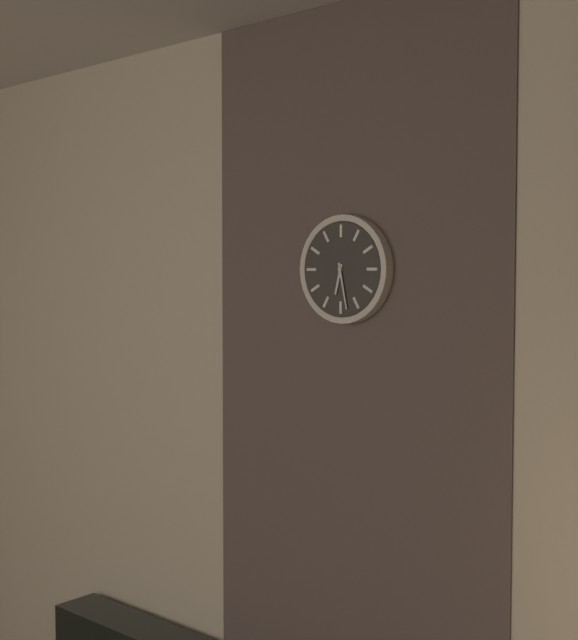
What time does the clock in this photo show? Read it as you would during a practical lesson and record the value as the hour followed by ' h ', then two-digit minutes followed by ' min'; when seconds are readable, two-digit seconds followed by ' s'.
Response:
6 h 28 min
